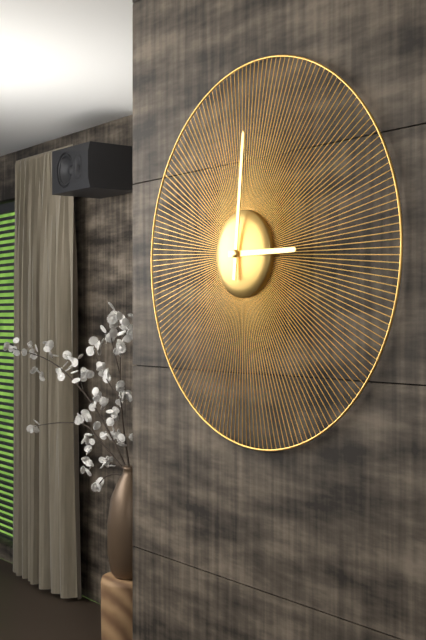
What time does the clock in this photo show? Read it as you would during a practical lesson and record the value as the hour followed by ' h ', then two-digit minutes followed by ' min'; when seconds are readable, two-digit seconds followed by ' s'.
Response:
3 h 01 min
